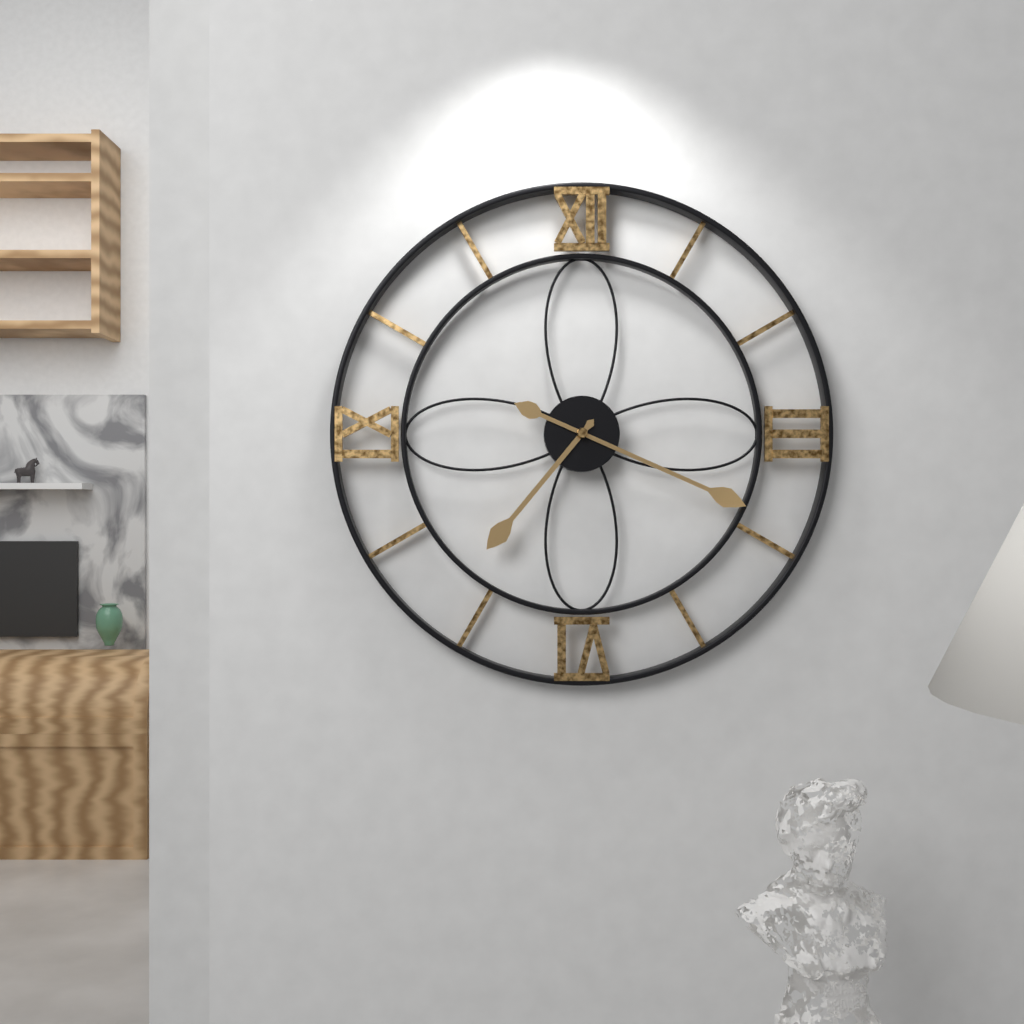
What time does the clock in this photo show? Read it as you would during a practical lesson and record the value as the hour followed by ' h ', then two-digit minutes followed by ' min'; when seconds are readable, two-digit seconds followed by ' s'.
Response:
7 h 19 min
